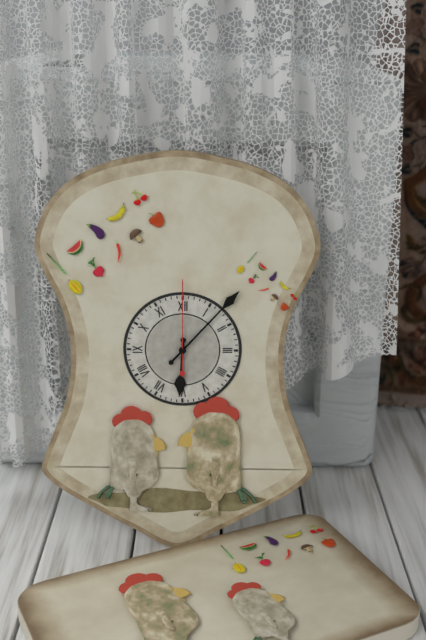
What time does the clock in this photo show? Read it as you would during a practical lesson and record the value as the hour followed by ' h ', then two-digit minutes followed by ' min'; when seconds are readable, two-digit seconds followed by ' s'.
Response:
6 h 07 min 00 s
